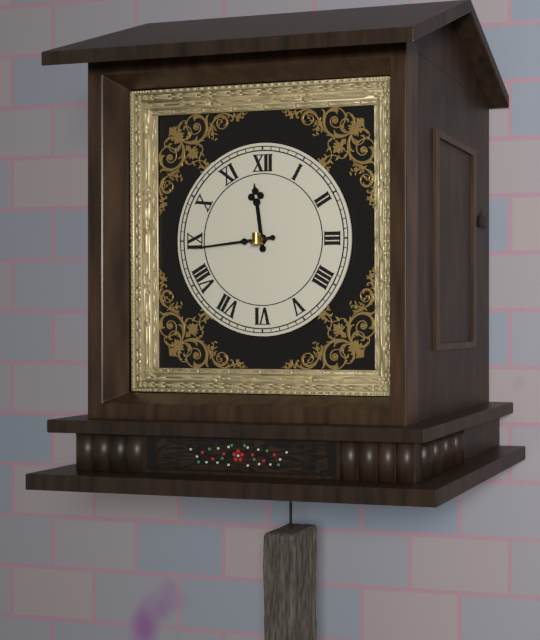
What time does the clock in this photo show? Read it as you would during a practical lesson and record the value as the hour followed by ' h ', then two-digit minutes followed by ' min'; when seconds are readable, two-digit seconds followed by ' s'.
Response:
11 h 44 min
